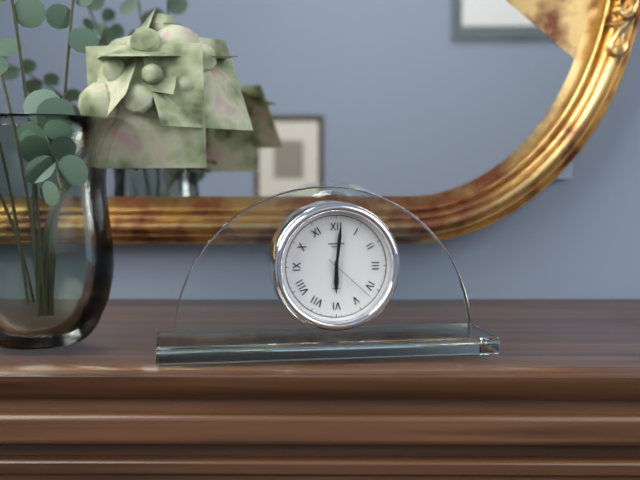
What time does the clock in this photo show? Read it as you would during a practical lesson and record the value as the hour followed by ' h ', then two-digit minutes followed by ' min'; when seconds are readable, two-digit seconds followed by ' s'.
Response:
6 h 01 min 22 s
